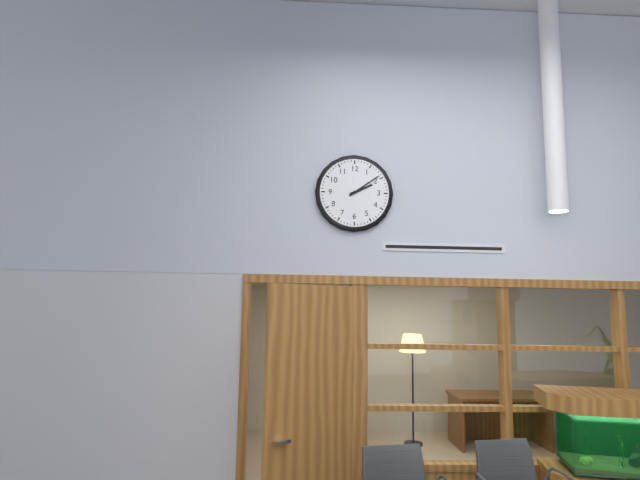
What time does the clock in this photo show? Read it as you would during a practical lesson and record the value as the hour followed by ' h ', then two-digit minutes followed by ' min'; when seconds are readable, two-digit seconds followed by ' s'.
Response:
2 h 09 min
